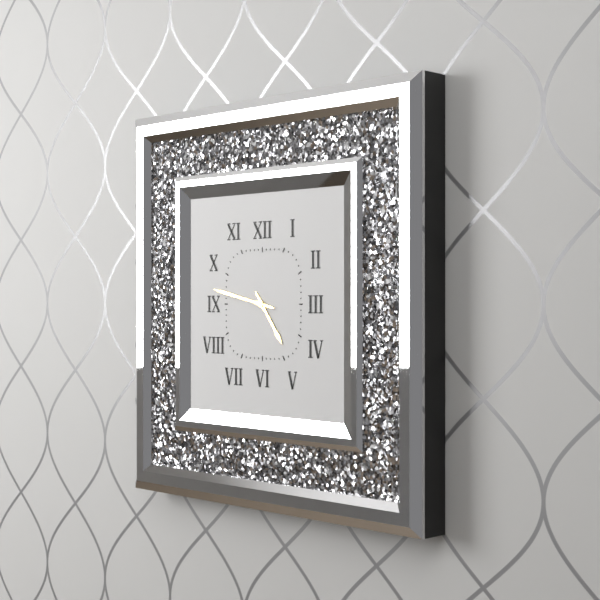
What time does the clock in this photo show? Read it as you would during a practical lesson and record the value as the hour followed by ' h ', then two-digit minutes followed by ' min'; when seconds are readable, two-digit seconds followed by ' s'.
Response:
4 h 47 min
